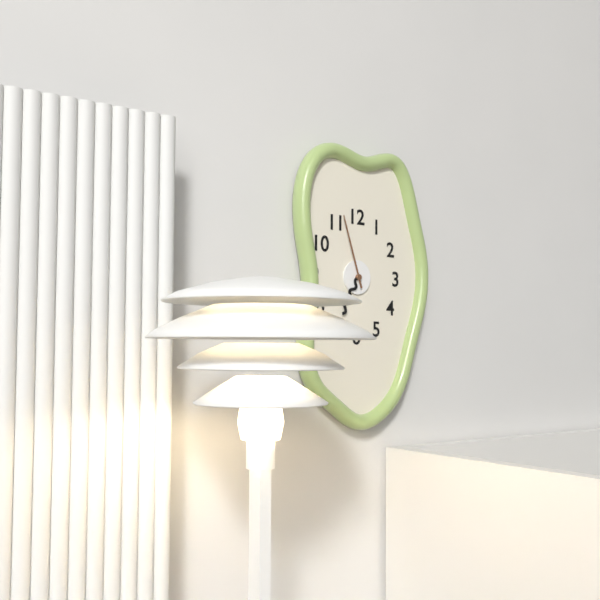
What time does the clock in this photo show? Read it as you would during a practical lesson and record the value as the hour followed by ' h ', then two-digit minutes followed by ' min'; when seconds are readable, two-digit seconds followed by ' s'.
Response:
6 h 57 min
